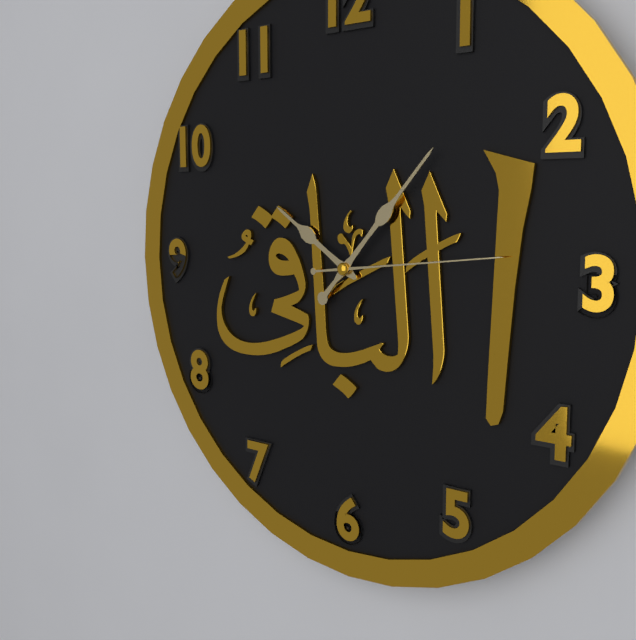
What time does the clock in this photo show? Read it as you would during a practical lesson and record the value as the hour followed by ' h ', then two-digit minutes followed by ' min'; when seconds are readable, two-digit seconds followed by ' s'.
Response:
10 h 07 min 14 s
